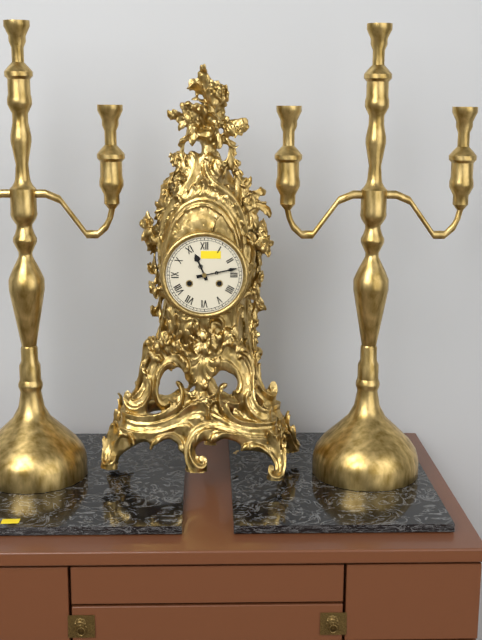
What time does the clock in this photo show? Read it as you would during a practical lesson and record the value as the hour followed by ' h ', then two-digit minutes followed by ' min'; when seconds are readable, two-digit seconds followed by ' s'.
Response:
11 h 13 min
